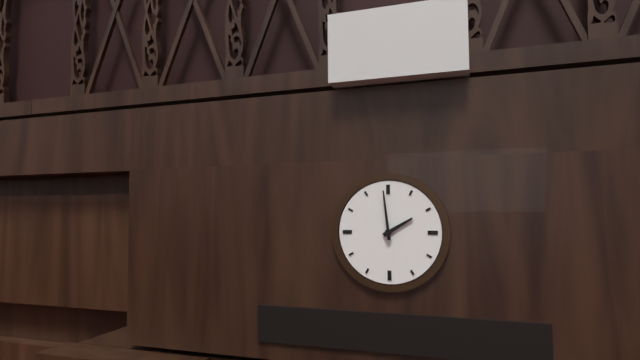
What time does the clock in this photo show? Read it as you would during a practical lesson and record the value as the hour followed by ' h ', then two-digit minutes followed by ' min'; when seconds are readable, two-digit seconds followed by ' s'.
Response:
1 h 59 min
